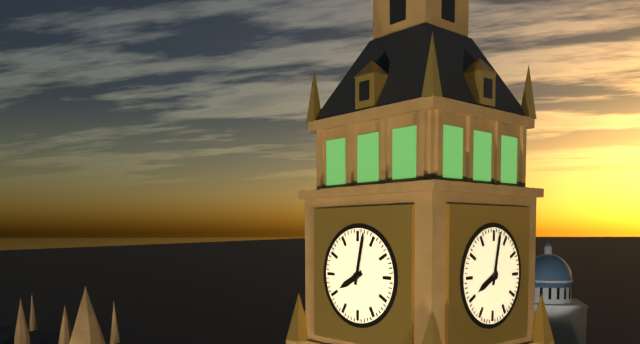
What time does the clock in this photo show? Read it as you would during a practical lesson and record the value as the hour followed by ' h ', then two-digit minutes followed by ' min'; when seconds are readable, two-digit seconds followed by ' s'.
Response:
8 h 02 min
